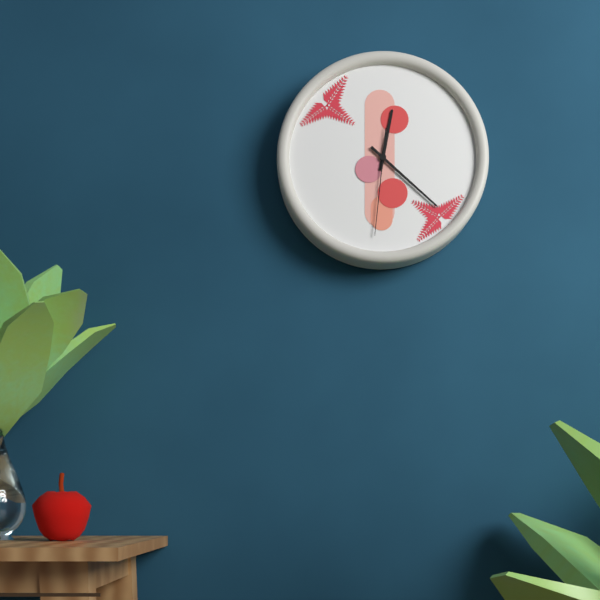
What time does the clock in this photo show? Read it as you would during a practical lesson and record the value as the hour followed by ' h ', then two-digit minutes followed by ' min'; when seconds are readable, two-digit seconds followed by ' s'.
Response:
12 h 22 min 31 s
